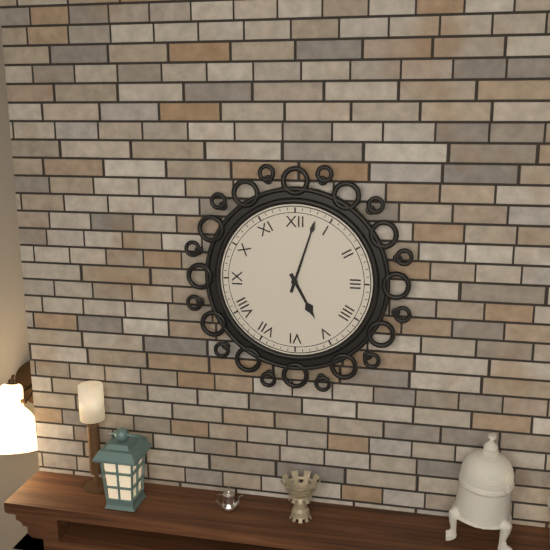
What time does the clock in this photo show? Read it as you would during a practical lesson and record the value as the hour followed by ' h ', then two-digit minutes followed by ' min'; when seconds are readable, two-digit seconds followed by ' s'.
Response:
5 h 03 min
